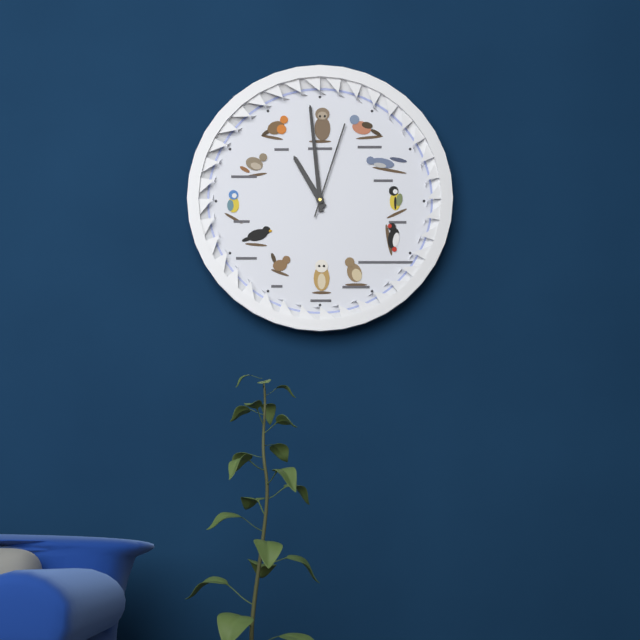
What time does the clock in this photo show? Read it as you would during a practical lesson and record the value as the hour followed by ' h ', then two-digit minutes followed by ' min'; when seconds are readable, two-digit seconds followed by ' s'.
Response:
10 h 59 min 03 s
